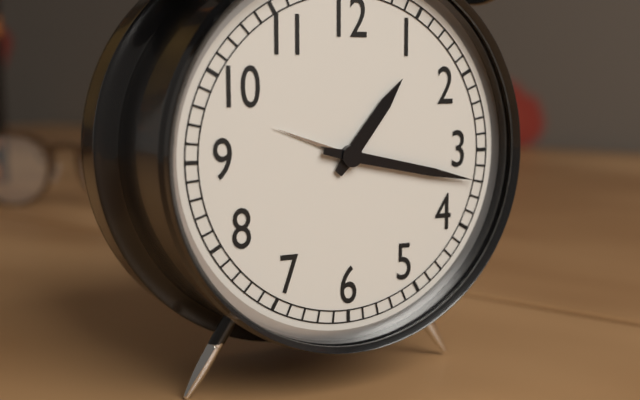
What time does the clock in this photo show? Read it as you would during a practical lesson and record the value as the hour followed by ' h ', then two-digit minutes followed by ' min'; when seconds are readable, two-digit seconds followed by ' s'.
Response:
1 h 17 min
